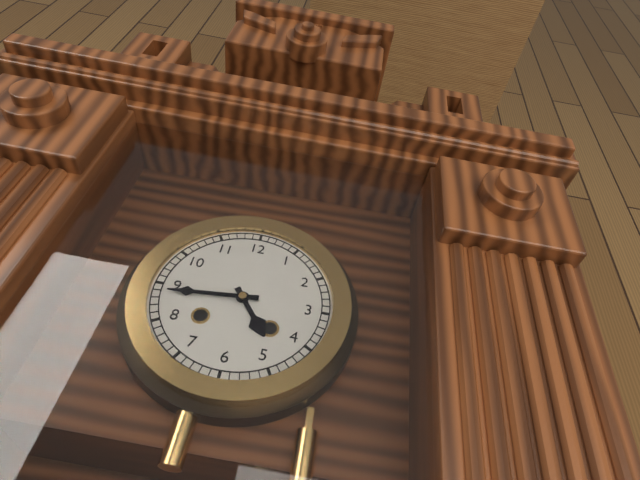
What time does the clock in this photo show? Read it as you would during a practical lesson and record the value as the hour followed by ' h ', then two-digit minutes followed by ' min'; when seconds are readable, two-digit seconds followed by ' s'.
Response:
4 h 44 min
